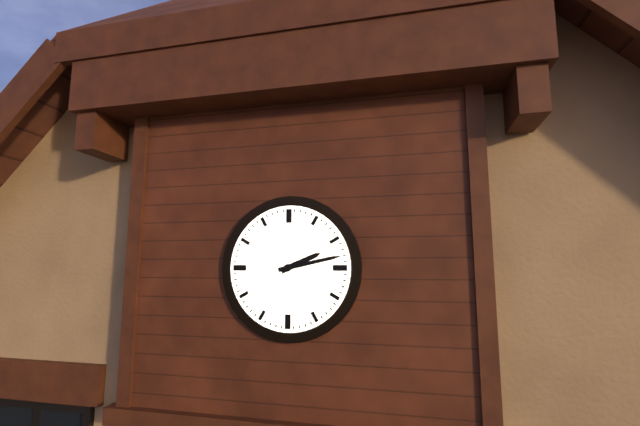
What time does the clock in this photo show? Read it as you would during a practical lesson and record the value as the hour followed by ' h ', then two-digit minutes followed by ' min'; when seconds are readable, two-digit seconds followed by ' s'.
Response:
2 h 13 min
